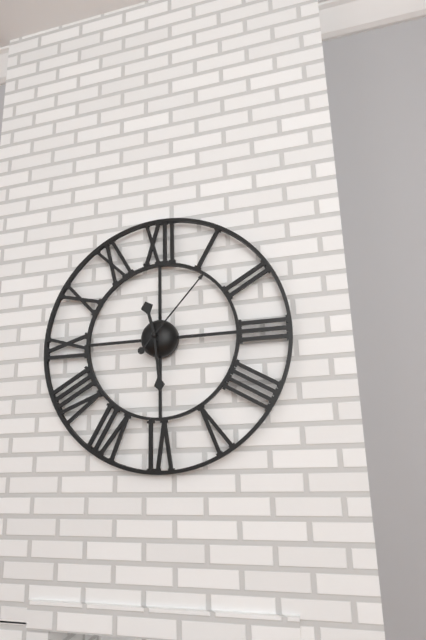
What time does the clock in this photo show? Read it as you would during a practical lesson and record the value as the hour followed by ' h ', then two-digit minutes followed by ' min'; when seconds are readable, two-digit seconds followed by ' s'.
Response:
11 h 29 min 07 s
